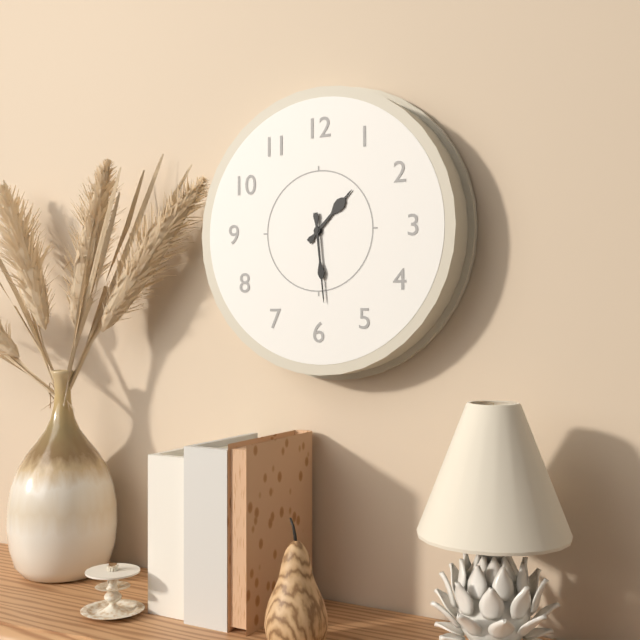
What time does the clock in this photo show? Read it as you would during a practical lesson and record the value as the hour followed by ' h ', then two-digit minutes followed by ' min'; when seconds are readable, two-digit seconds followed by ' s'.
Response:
1 h 29 min
